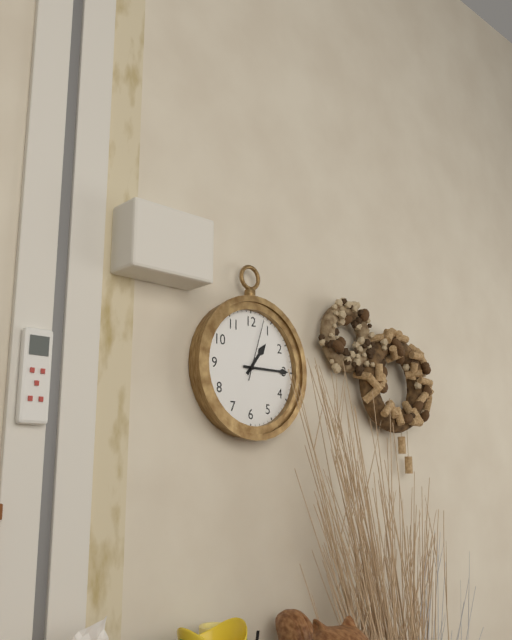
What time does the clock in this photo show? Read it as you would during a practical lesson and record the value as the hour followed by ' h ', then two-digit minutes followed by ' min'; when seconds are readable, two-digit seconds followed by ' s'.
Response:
1 h 15 min 03 s
